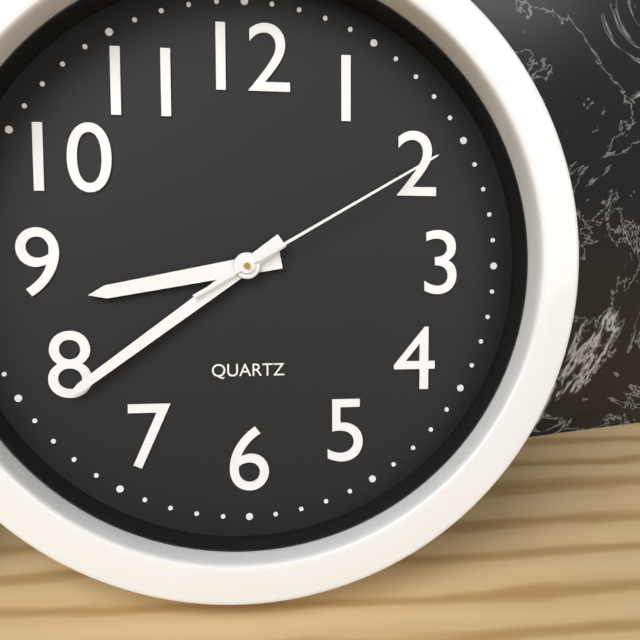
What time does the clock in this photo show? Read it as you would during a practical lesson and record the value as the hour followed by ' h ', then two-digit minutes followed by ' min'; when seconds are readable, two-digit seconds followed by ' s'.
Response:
8 h 39 min 10 s
